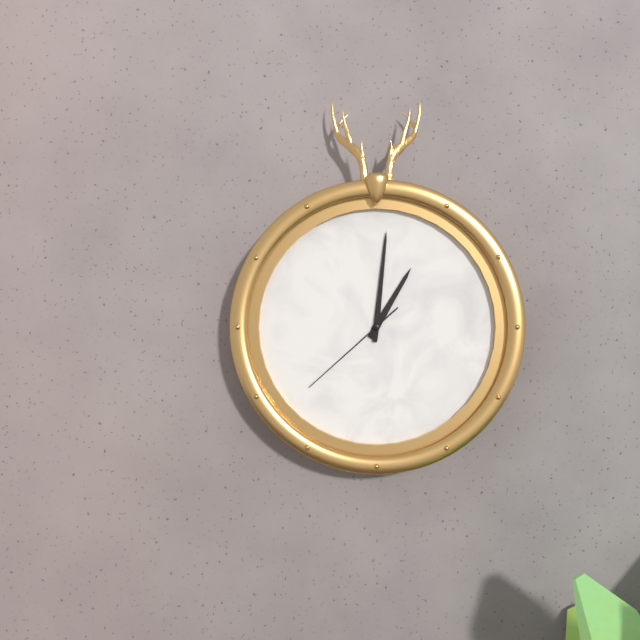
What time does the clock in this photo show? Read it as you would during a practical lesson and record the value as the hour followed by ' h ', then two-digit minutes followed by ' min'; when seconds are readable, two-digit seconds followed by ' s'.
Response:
1 h 01 min 38 s
